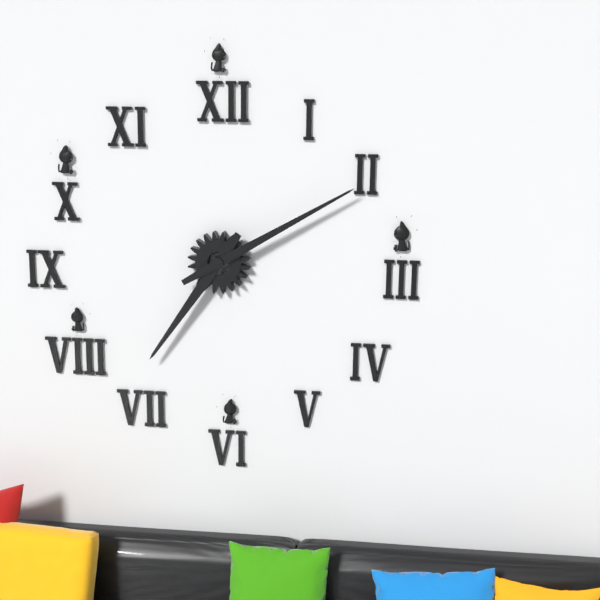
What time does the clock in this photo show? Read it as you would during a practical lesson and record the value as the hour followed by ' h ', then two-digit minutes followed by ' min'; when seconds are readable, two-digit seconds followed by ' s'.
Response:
7 h 10 min
